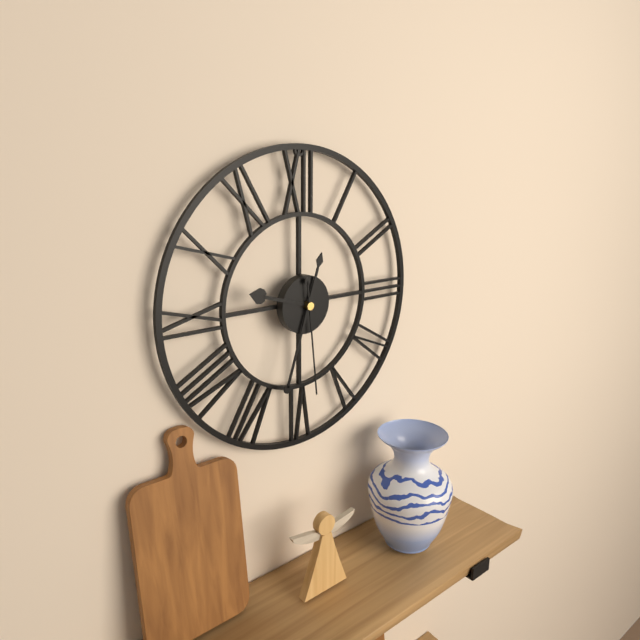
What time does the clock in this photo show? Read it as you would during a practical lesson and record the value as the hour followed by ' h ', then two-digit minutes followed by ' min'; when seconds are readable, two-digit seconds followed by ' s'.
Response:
9 h 33 min 29 s
